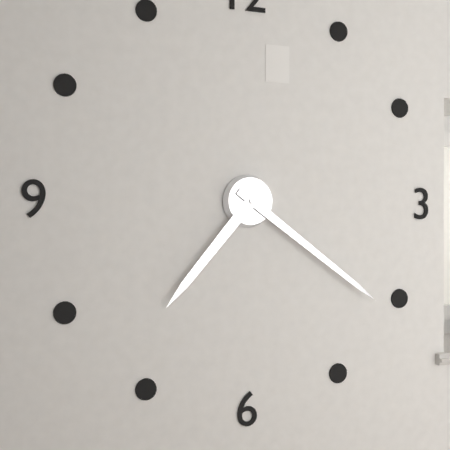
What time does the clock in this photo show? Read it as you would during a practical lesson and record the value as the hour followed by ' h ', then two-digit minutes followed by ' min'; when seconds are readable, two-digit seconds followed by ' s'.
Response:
7 h 21 min
